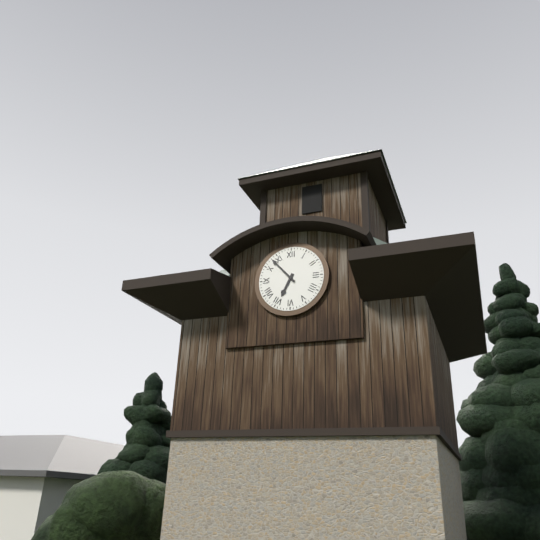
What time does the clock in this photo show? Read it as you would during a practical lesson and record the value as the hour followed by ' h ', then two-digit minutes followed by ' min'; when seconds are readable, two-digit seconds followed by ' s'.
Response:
6 h 53 min
